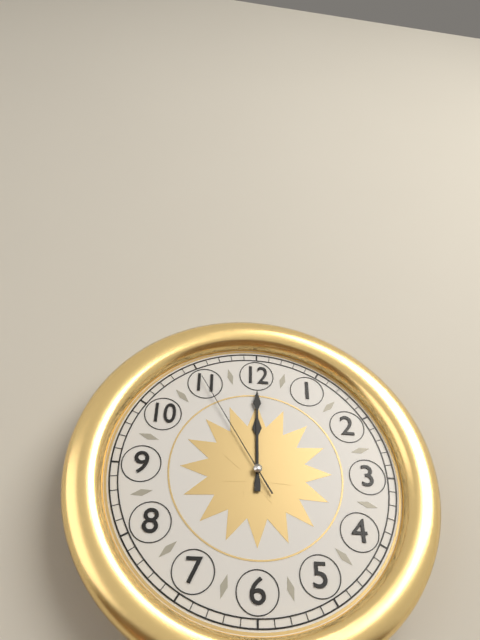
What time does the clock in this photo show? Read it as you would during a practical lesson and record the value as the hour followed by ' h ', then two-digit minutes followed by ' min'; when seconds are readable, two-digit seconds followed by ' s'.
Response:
12 h 00 min 55 s
